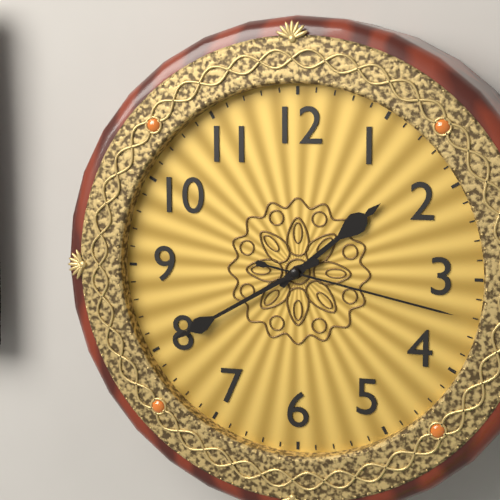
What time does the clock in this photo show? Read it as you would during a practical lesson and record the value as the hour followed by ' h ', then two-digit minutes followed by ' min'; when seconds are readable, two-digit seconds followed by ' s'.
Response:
1 h 40 min 17 s
